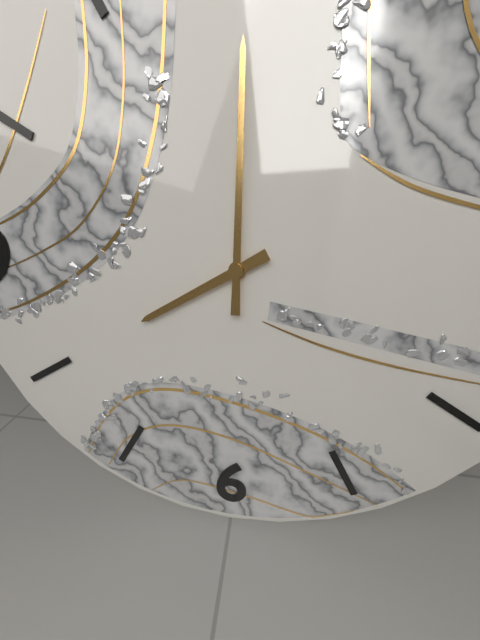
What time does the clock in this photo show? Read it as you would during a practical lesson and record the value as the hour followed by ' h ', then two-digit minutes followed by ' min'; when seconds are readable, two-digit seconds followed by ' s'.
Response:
8 h 00 min
